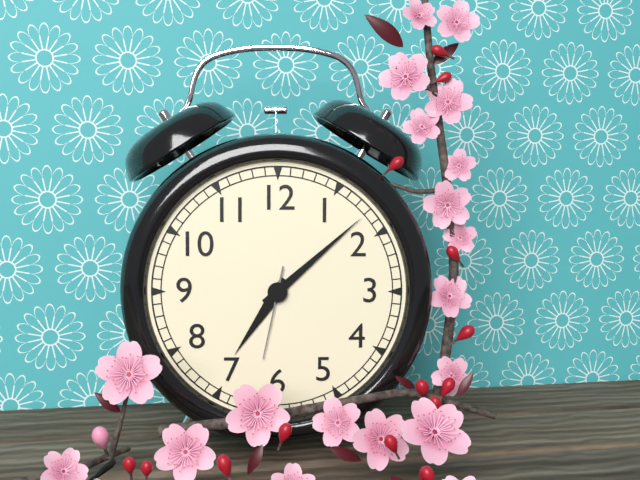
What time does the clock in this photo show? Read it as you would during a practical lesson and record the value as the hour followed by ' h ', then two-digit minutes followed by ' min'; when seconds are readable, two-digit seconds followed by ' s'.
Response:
7 h 08 min 32 s
